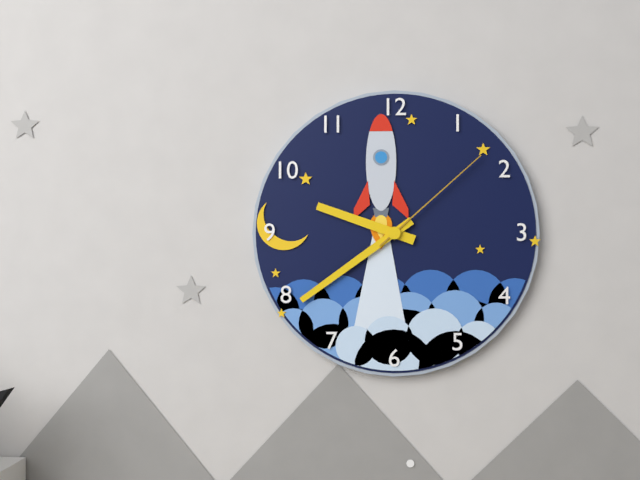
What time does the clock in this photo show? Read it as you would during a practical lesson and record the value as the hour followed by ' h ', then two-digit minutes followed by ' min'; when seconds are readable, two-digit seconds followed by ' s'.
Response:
9 h 39 min 08 s
